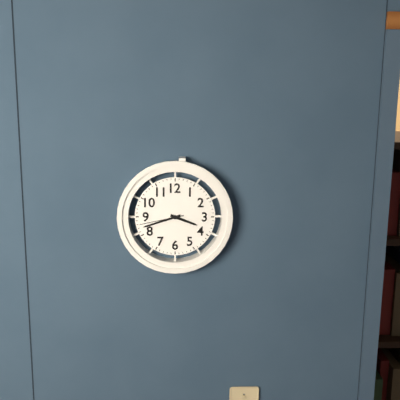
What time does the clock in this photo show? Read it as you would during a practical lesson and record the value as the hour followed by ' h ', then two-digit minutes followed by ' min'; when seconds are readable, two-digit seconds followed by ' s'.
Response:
3 h 42 min
